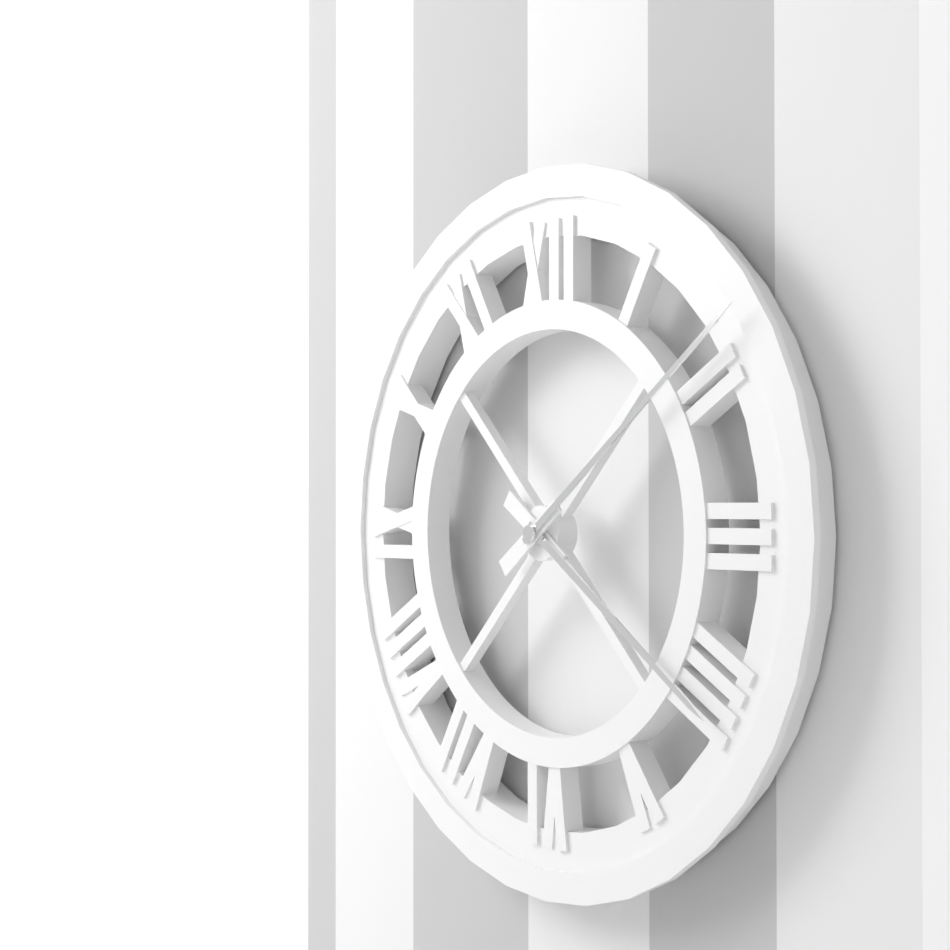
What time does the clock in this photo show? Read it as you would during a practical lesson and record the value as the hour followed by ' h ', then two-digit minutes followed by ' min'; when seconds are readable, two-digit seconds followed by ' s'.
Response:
4 h 09 min
